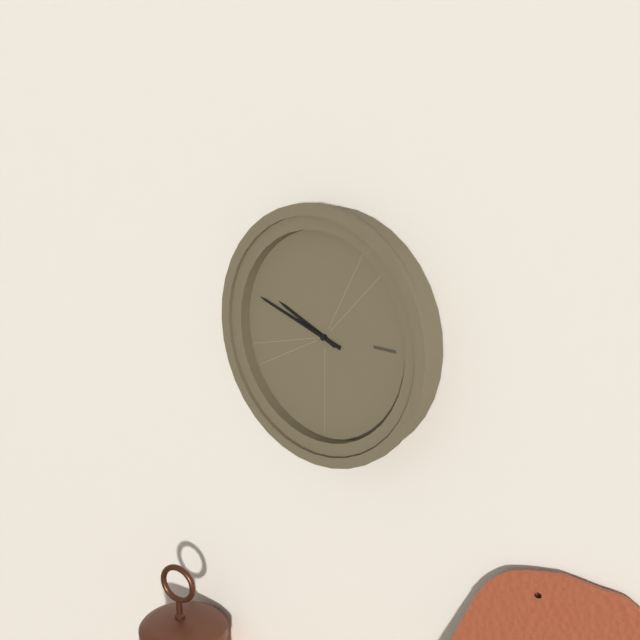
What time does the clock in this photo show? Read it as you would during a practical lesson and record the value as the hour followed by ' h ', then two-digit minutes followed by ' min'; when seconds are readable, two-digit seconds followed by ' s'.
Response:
9 h 48 min
